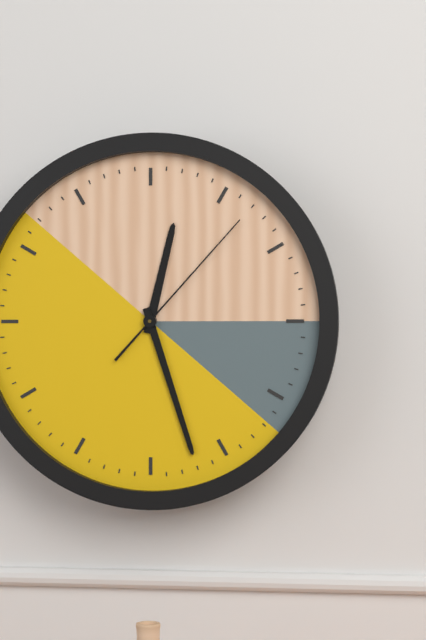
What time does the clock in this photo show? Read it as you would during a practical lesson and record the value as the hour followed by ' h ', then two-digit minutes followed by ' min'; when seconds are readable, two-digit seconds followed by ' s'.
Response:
12 h 27 min 07 s
